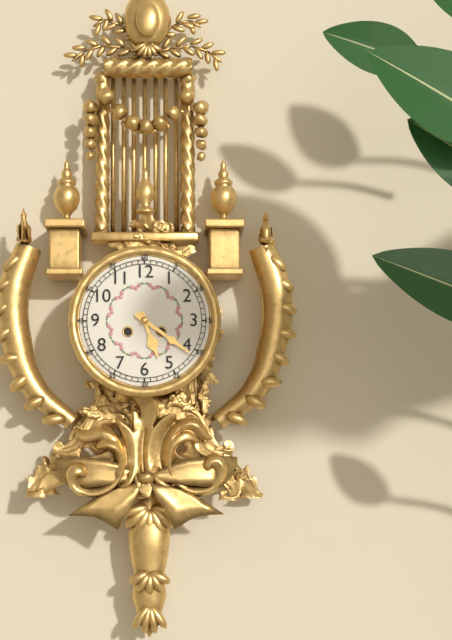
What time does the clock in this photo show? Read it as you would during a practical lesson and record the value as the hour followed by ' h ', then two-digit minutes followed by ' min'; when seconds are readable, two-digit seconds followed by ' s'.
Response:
5 h 21 min
